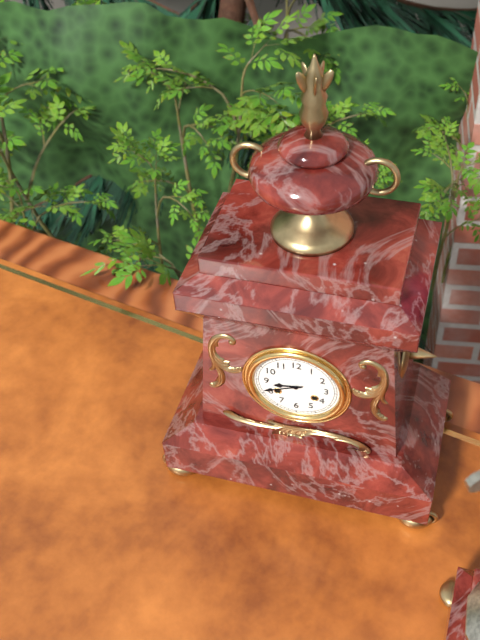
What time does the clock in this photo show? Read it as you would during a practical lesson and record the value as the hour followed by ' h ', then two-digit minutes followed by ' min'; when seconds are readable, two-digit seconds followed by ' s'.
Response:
8 h 41 min
